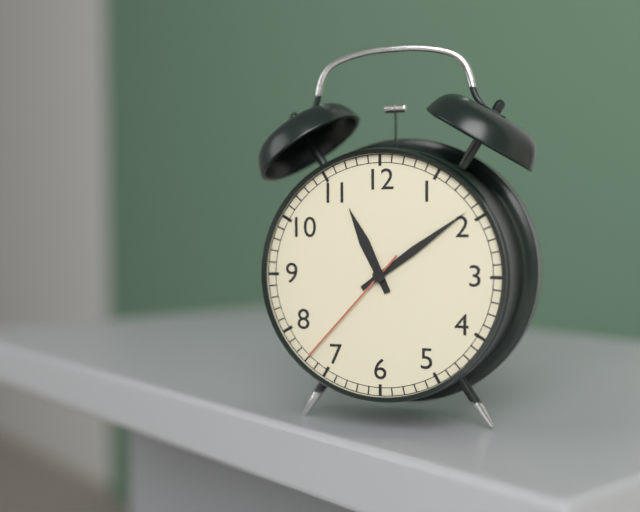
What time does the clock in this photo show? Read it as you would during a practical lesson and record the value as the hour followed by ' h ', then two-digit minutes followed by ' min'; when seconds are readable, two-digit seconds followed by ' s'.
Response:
11 h 09 min 37 s
